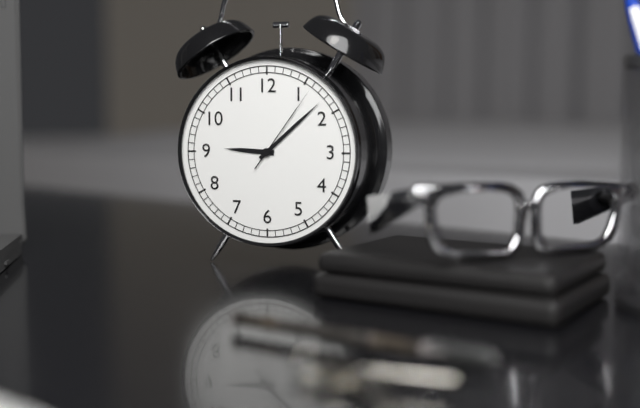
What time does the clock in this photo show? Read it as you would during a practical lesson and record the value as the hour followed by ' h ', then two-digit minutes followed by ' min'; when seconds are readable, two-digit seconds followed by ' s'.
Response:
9 h 08 min 06 s
